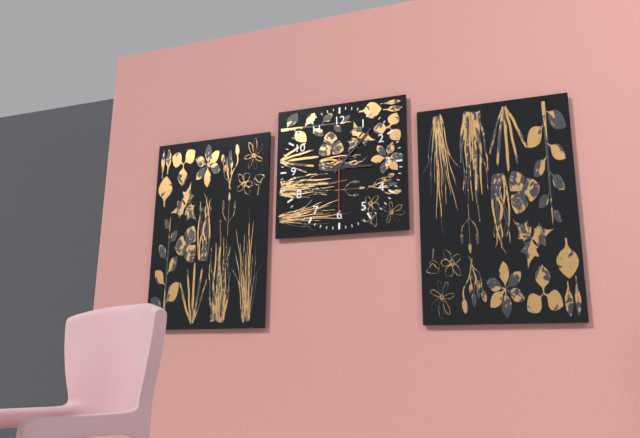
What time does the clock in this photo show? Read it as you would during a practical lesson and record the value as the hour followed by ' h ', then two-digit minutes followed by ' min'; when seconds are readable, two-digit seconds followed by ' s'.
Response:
3 h 07 min 30 s
